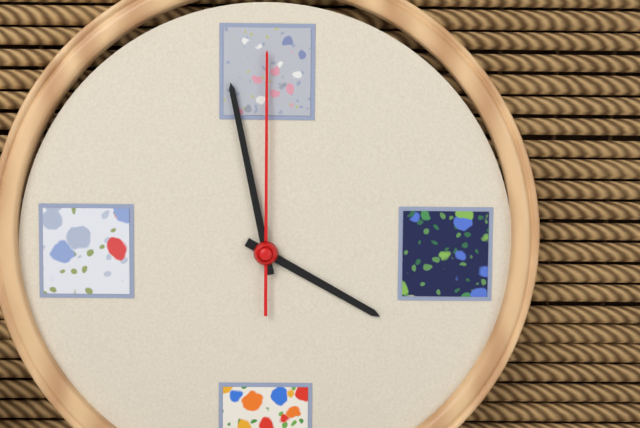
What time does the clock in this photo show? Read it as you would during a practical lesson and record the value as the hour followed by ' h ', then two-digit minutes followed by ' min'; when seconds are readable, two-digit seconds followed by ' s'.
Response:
3 h 58 min 00 s
